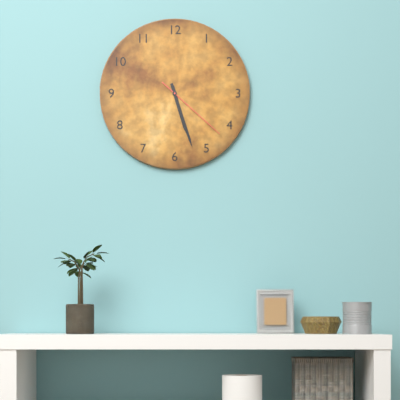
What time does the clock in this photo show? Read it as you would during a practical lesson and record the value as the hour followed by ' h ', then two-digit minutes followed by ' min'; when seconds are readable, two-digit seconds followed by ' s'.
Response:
5 h 27 min 22 s
